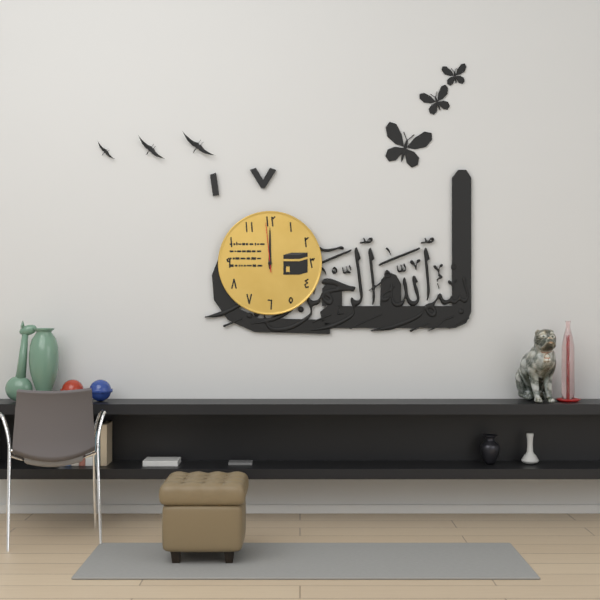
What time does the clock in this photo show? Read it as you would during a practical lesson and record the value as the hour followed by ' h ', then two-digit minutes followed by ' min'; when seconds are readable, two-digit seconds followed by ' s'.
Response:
12 h 00 min 59 s
